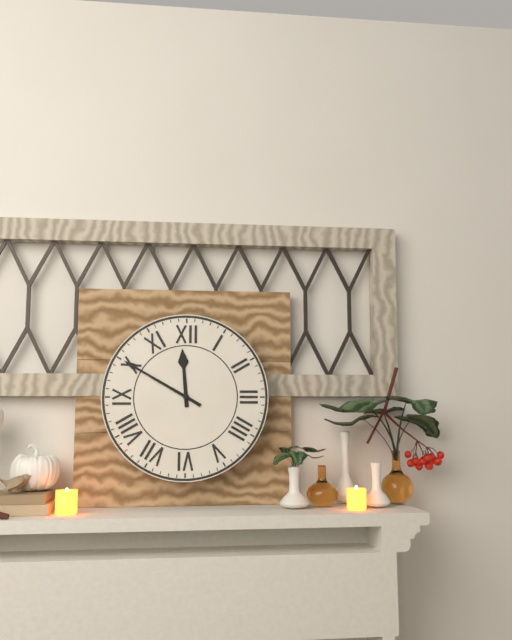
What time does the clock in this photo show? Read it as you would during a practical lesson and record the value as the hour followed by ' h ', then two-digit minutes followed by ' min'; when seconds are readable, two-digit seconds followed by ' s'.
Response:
11 h 50 min
